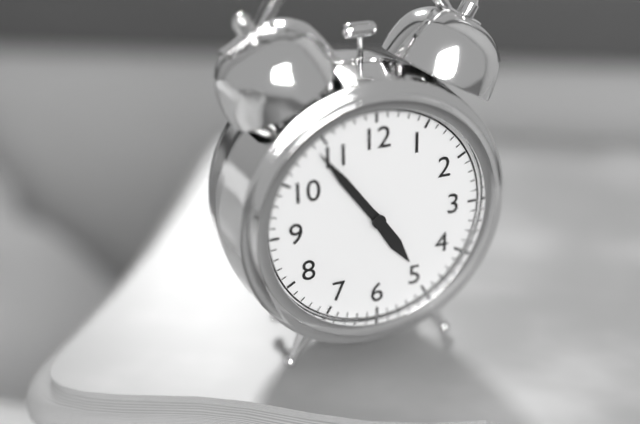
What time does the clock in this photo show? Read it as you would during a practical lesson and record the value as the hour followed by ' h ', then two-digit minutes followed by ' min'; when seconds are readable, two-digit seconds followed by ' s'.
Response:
4 h 54 min
